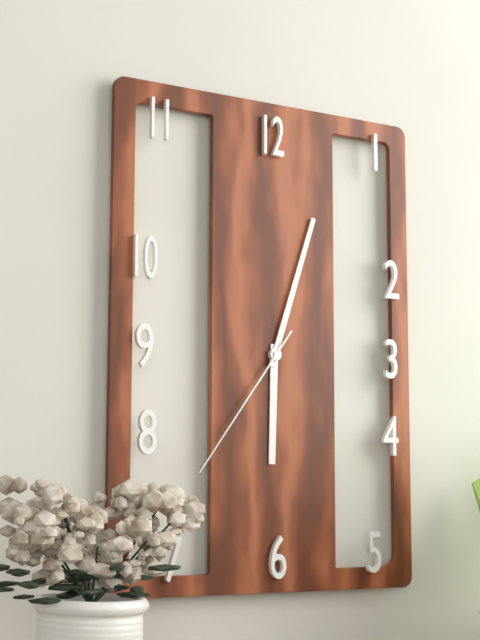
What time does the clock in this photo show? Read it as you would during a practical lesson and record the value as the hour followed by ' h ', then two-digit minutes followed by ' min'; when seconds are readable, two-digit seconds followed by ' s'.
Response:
6 h 03 min 36 s
